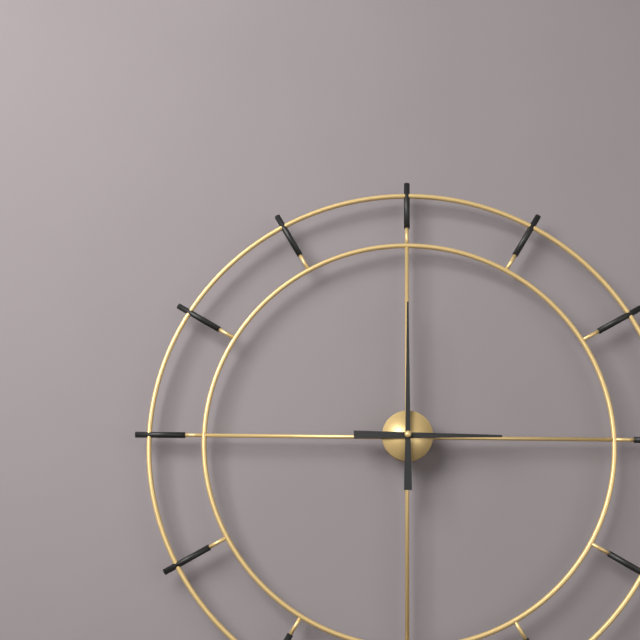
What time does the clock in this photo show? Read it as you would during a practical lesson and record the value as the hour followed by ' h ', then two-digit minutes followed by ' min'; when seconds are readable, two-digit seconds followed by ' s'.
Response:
3 h 00 min
